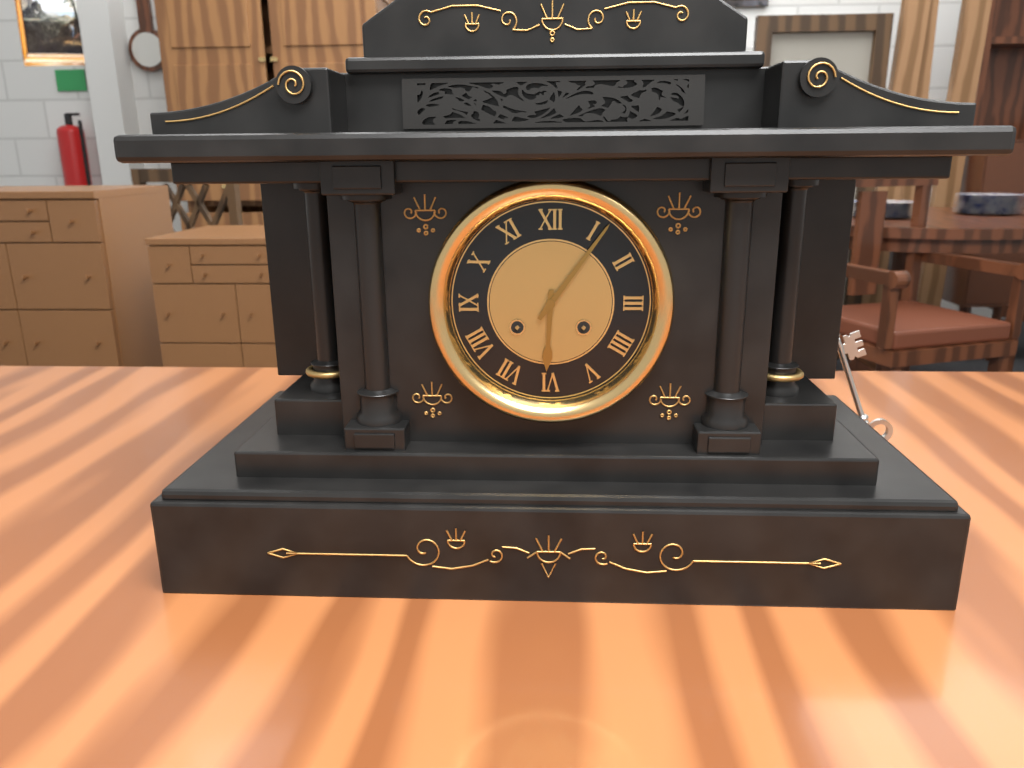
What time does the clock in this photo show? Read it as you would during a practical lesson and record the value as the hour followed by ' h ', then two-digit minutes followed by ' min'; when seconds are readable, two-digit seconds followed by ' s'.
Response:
6 h 06 min
